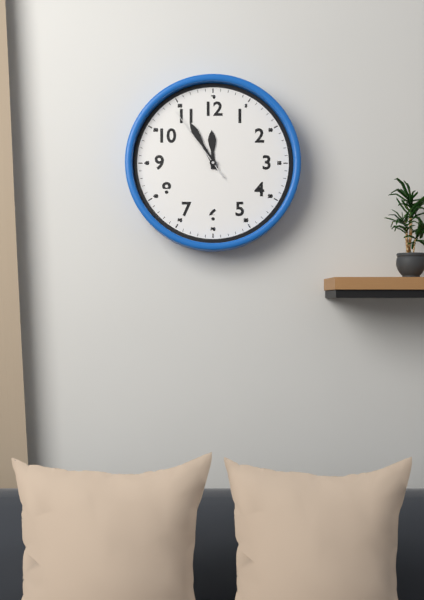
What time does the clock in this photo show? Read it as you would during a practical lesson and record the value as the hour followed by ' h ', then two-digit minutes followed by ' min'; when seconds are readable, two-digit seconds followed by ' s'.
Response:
11 h 55 min 54 s
